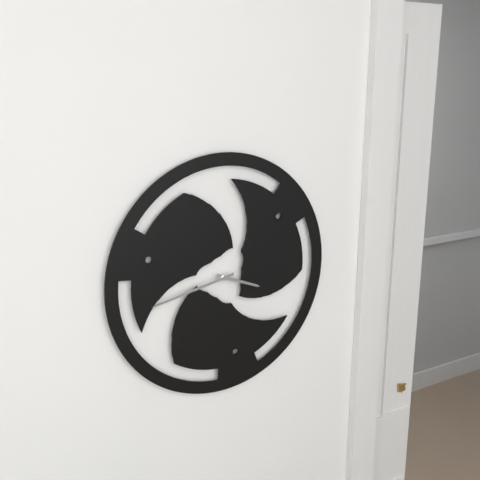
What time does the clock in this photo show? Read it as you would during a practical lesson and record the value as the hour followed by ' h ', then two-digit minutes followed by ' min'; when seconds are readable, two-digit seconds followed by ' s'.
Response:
3 h 43 min
